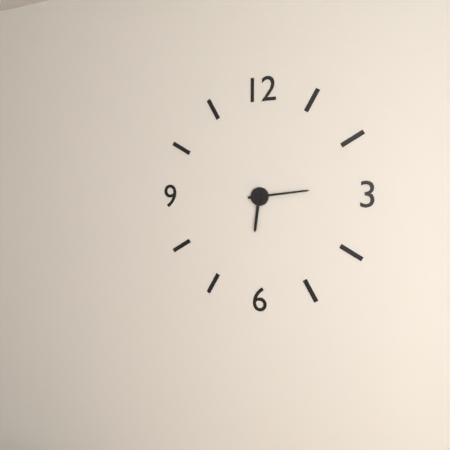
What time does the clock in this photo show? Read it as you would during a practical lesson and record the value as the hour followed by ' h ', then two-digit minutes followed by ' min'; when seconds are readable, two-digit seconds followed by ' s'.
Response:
6 h 14 min
